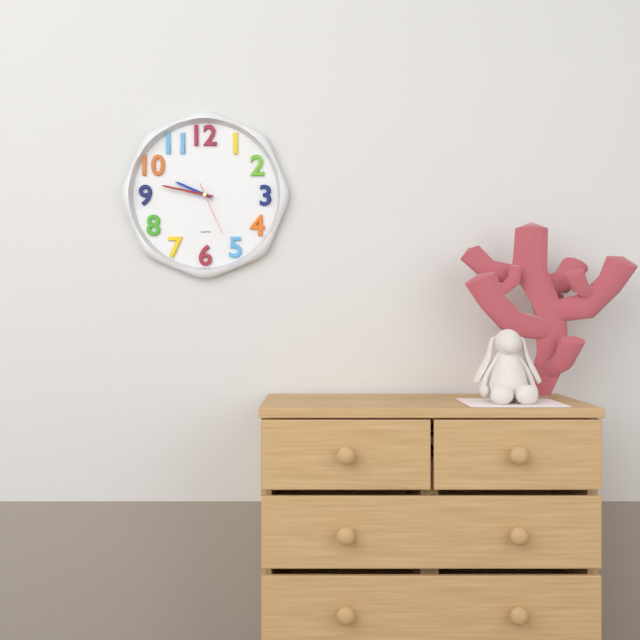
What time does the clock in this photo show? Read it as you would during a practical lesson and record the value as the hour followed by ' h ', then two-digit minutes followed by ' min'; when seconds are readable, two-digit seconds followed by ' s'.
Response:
9 h 47 min 26 s
